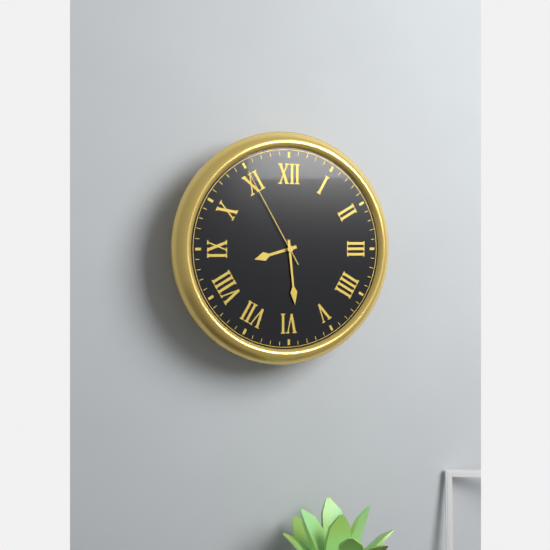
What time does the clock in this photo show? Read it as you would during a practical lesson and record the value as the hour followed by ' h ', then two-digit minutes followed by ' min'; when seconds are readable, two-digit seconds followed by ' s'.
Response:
8 h 29 min 55 s
